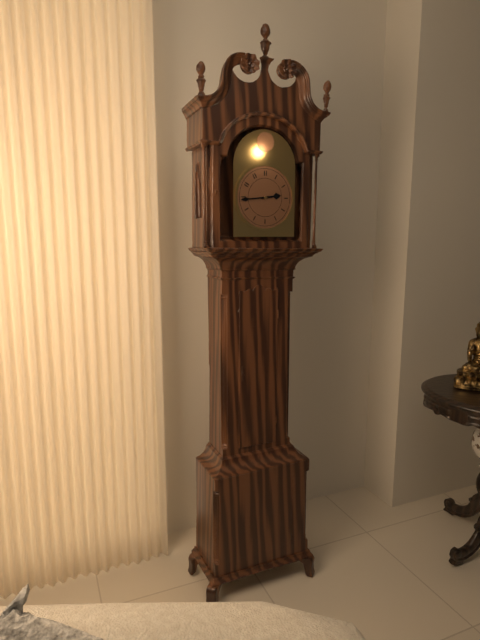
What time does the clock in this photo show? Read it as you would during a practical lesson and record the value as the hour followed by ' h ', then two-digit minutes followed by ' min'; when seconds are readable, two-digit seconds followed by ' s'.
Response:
2 h 44 min
